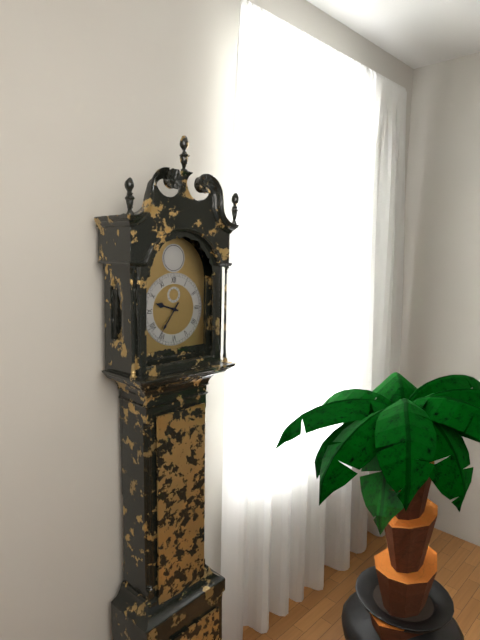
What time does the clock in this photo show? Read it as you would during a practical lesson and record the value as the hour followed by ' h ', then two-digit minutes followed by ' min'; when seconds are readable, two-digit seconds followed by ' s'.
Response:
9 h 36 min
